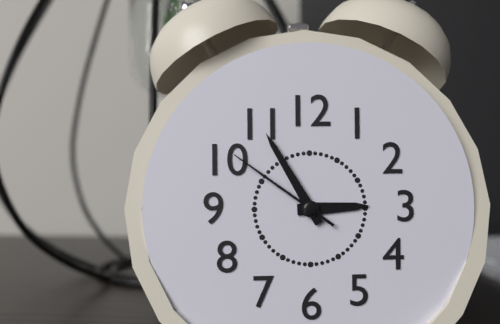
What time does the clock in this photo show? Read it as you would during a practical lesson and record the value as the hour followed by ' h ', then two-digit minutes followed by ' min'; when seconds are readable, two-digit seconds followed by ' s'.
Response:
2 h 55 min 51 s
